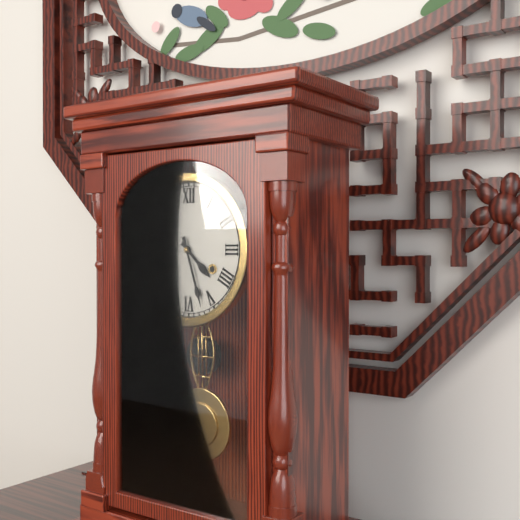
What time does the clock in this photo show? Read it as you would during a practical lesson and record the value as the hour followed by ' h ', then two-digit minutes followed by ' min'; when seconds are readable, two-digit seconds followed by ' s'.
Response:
4 h 27 min
